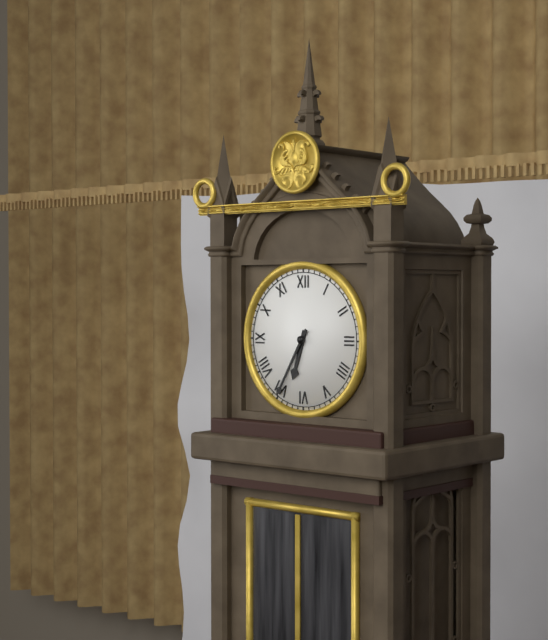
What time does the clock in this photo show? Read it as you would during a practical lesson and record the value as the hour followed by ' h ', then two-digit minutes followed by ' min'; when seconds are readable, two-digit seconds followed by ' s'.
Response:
6 h 35 min
